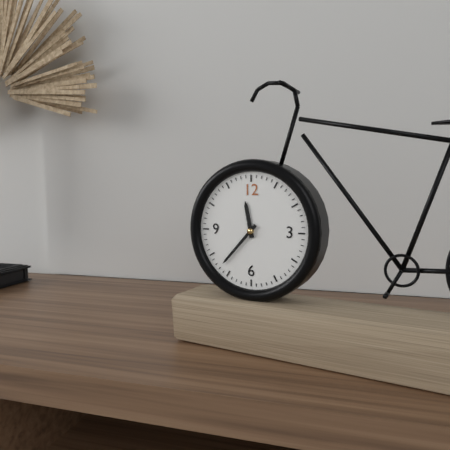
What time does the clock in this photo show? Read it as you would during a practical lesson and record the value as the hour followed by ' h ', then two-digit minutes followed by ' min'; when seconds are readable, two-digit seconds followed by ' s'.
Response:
11 h 37 min
